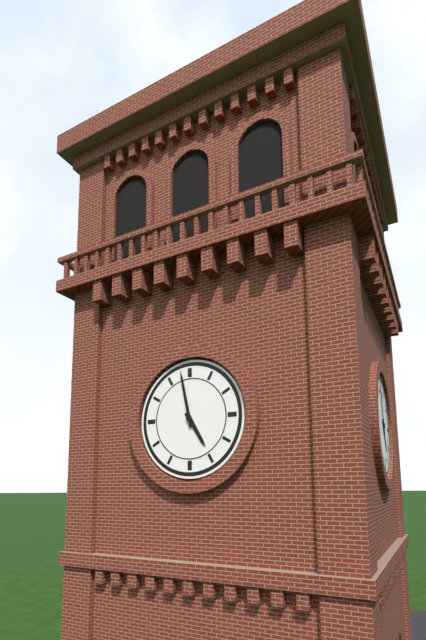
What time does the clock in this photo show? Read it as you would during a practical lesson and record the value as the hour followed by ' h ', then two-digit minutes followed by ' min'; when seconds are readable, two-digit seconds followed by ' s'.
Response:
4 h 58 min
